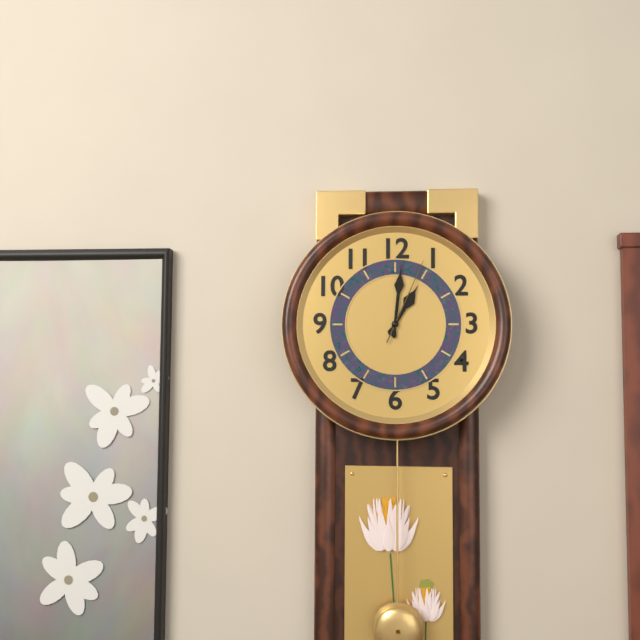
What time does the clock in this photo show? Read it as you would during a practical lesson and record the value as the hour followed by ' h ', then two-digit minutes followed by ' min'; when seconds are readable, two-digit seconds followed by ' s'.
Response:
1 h 01 min 04 s
